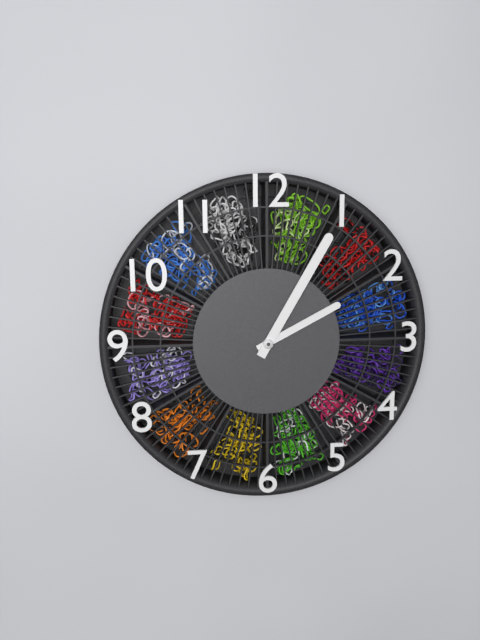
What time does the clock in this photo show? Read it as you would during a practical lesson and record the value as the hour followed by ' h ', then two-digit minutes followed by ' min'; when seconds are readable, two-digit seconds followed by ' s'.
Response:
2 h 05 min
